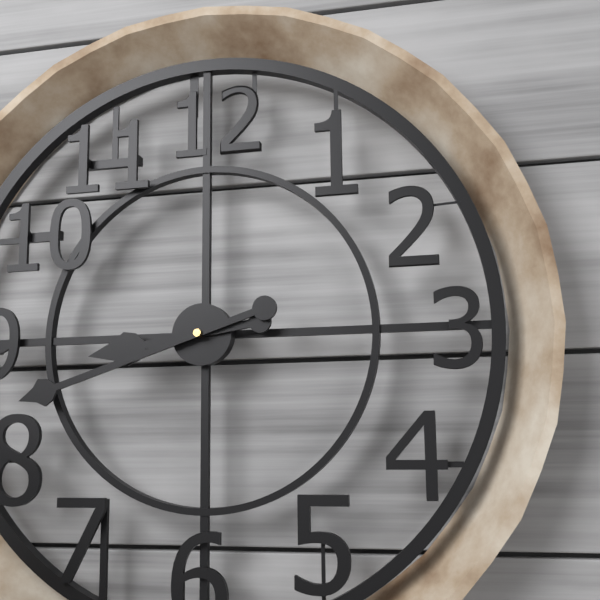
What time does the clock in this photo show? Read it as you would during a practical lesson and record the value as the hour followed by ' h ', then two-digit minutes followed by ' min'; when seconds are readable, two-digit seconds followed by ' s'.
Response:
8 h 42 min
